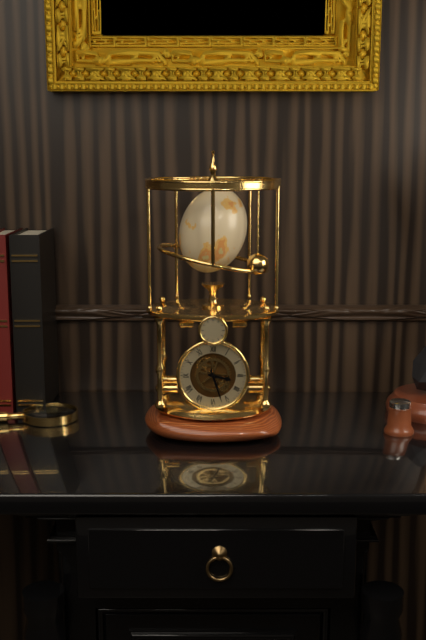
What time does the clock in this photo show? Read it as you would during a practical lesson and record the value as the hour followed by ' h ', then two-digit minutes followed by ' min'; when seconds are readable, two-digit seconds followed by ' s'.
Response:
3 h 27 min
